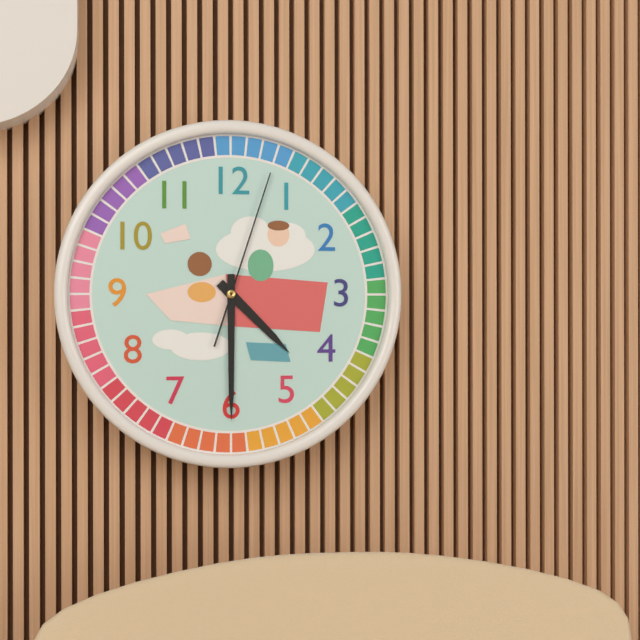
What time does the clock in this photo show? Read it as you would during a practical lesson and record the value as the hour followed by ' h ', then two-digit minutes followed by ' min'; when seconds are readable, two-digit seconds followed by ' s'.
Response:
4 h 30 min 03 s
